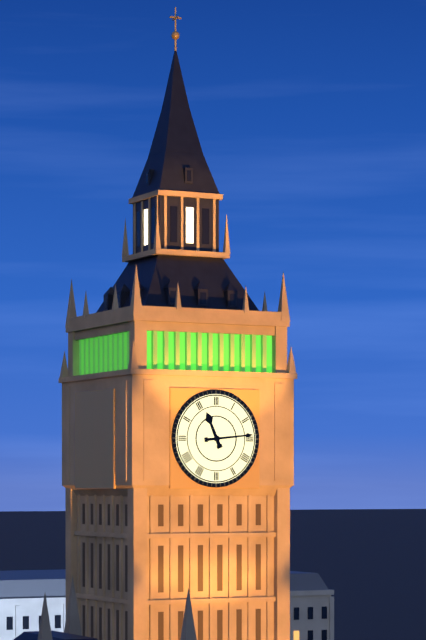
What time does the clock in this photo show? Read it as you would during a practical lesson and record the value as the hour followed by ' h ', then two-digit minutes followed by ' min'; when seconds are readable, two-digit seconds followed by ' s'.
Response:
11 h 14 min
